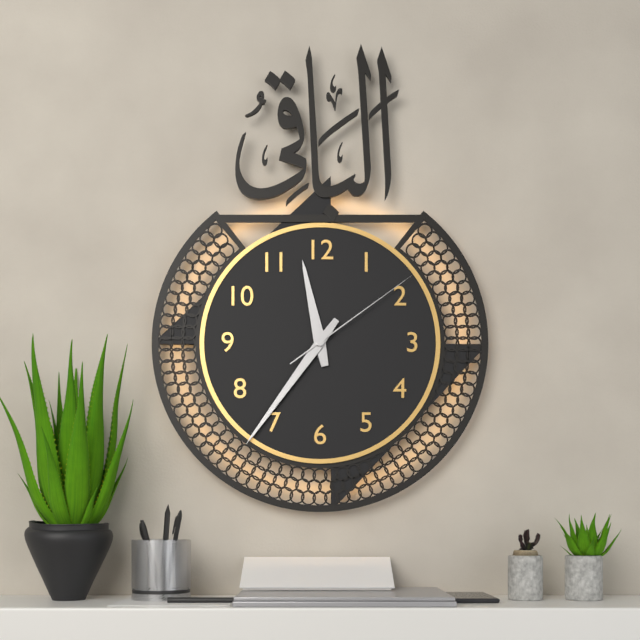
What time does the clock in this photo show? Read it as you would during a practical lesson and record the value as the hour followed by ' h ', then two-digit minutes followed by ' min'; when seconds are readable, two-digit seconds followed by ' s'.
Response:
11 h 36 min 09 s
